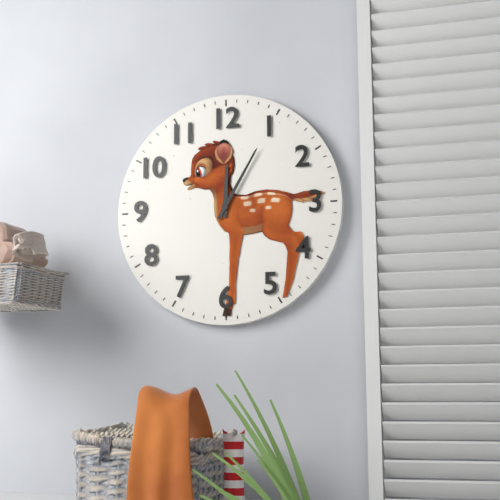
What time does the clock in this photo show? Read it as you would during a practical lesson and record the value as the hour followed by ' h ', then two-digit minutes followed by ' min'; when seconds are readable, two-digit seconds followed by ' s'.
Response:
12 h 05 min
